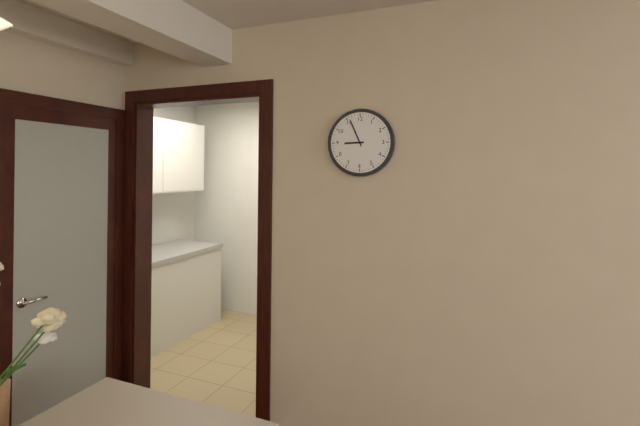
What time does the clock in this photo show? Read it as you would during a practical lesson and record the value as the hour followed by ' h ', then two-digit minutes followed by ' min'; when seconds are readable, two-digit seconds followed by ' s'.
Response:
8 h 56 min
